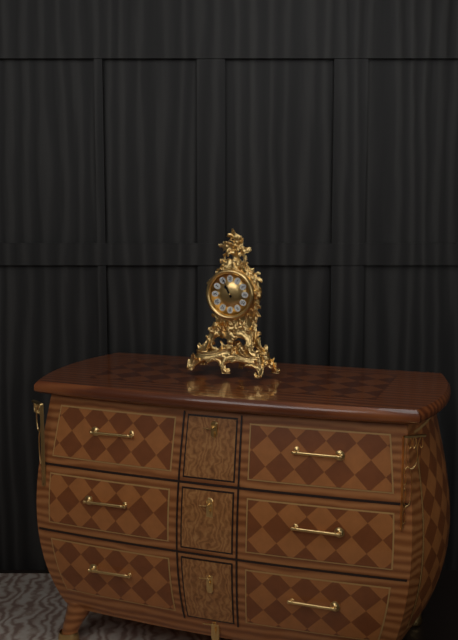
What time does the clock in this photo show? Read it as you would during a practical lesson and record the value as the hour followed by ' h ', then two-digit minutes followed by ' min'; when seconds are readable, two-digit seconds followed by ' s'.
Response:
10 h 56 min
